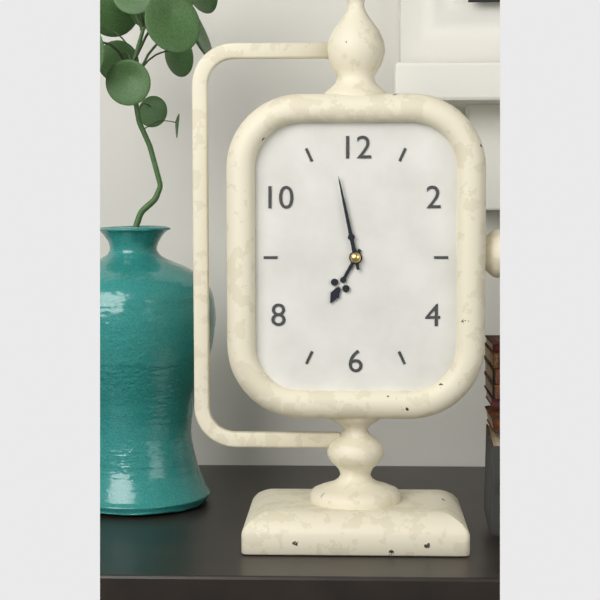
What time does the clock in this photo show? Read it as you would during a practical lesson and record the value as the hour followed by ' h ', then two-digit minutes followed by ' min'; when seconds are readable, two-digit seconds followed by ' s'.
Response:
6 h 58 min
